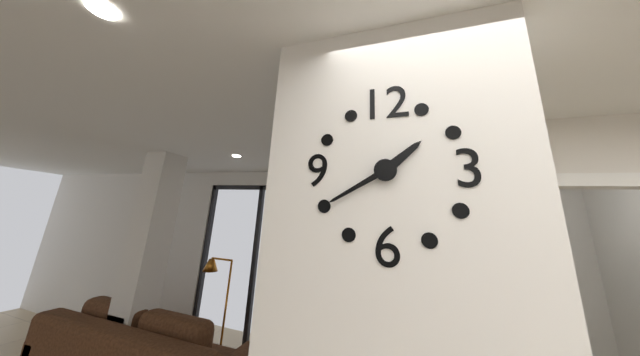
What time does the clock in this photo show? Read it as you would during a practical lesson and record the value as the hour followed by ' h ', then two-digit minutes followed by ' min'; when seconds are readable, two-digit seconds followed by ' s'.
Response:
1 h 40 min
